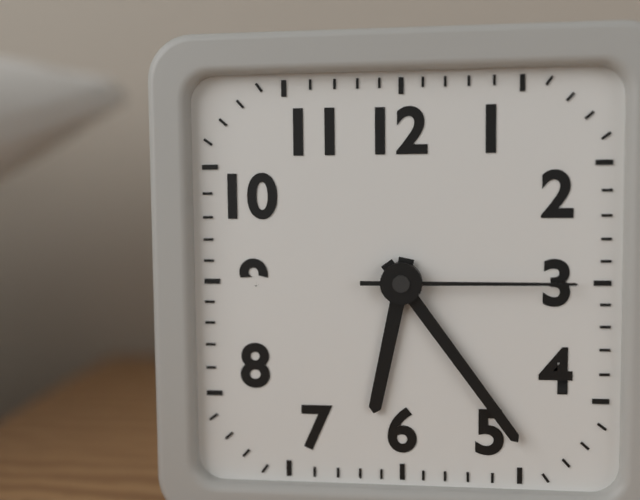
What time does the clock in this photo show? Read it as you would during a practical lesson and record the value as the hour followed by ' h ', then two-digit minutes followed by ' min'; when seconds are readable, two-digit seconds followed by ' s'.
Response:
6 h 24 min 15 s
